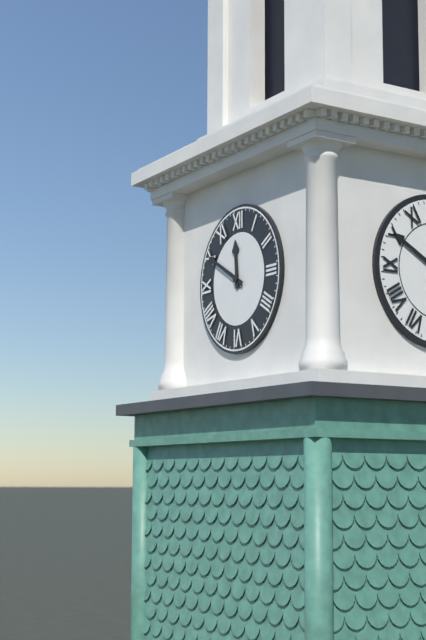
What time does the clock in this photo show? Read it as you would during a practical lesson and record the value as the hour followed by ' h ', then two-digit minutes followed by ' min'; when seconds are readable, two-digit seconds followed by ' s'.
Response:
11 h 50 min
